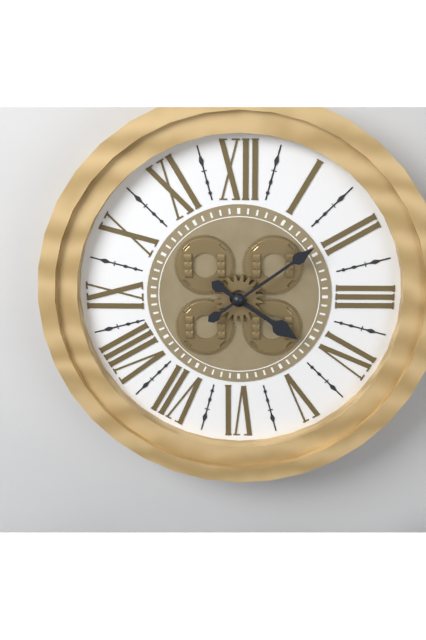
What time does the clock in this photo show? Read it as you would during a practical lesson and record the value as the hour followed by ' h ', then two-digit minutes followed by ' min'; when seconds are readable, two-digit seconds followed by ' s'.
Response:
4 h 09 min
